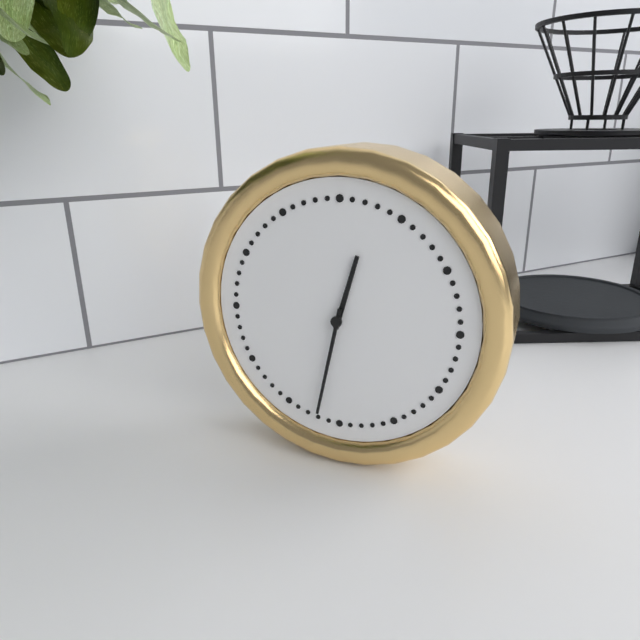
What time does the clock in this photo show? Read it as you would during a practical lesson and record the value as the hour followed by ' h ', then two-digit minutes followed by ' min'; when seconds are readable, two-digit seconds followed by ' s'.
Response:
12 h 32 min
